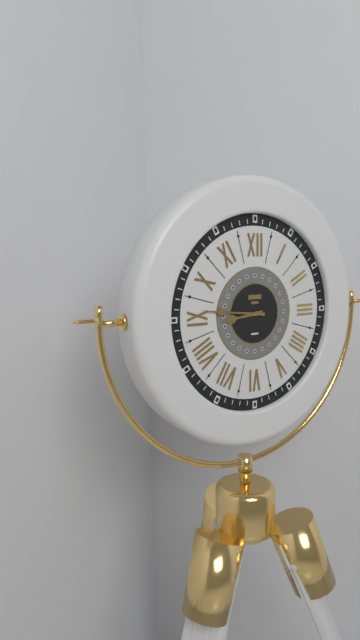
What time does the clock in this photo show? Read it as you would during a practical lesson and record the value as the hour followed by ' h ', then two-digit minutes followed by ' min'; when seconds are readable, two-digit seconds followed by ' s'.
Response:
8 h 46 min
